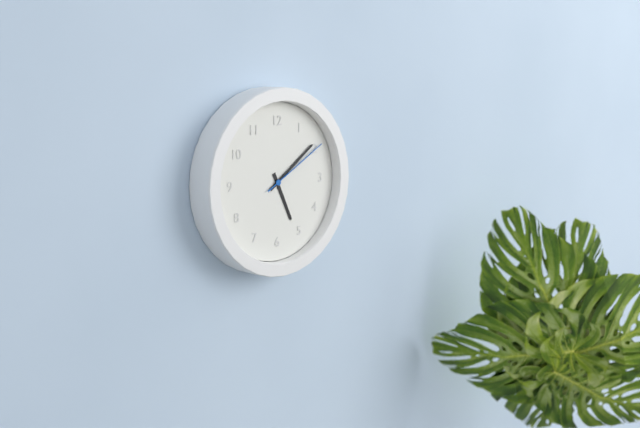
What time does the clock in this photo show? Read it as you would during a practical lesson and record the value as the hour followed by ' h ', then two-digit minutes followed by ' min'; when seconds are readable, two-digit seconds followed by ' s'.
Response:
5 h 09 min 10 s
